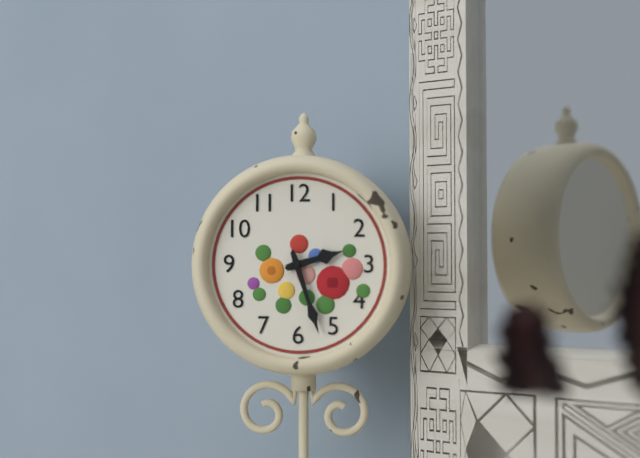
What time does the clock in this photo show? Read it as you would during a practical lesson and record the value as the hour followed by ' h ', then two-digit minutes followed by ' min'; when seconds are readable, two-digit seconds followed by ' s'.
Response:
2 h 27 min
